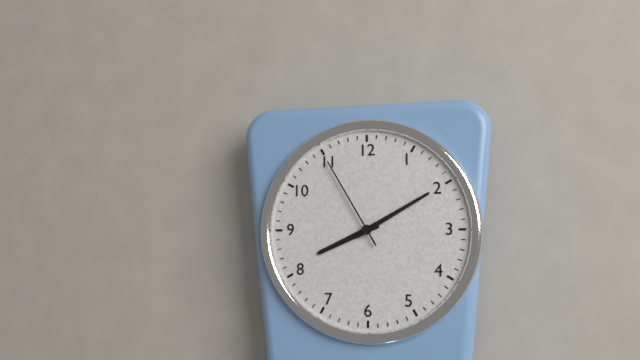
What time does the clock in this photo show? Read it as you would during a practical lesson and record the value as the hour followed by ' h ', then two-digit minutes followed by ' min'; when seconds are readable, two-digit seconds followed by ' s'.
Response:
8 h 10 min 55 s
